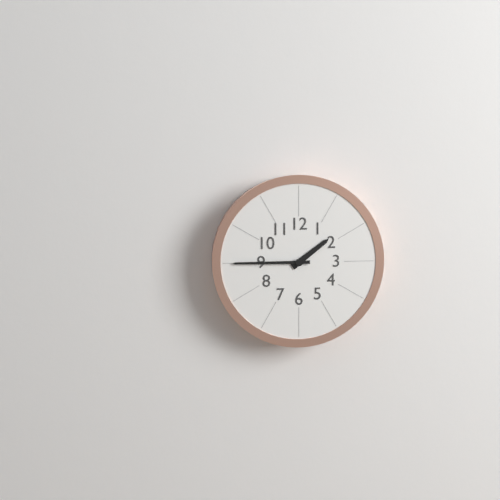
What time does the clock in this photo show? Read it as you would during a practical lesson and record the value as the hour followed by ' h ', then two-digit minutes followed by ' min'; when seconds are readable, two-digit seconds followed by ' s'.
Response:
1 h 45 min
